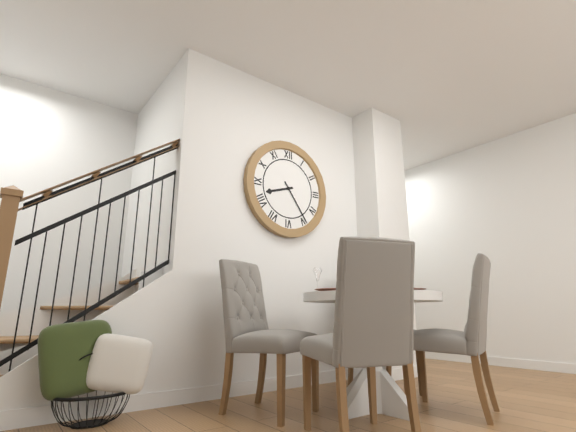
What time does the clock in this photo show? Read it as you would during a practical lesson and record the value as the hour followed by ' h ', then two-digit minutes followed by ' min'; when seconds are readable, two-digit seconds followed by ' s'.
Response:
8 h 24 min
